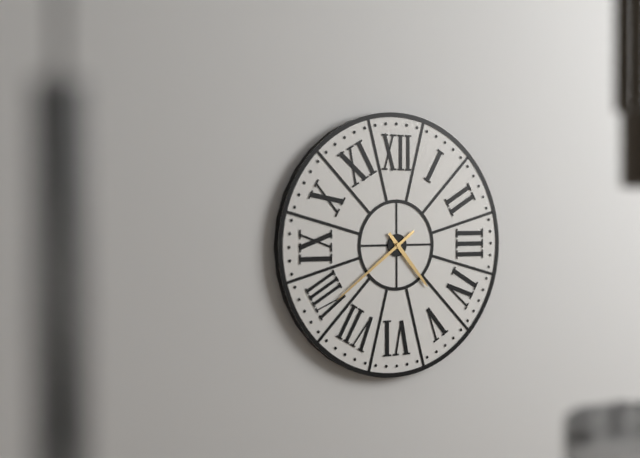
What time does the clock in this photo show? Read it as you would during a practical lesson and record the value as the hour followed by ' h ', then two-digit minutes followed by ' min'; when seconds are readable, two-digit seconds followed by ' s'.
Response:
4 h 39 min
